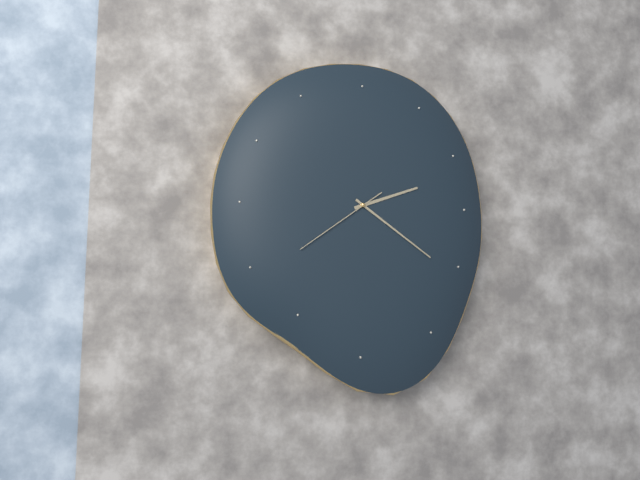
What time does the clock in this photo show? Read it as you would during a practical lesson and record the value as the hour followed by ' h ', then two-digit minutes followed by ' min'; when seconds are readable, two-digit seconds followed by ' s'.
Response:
2 h 21 min 39 s
